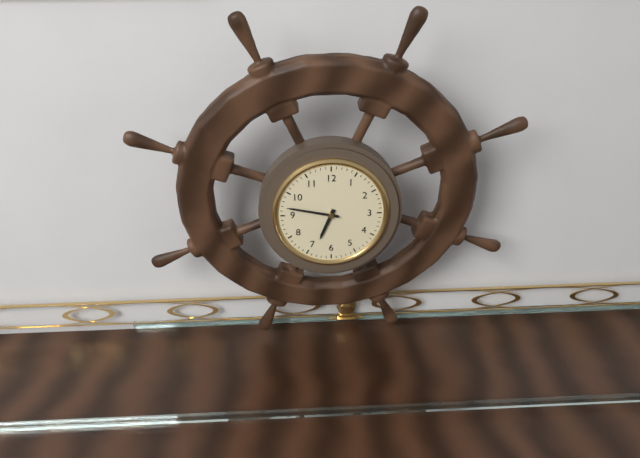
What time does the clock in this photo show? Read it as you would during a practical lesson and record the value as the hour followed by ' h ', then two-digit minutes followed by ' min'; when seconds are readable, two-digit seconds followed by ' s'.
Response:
6 h 47 min
